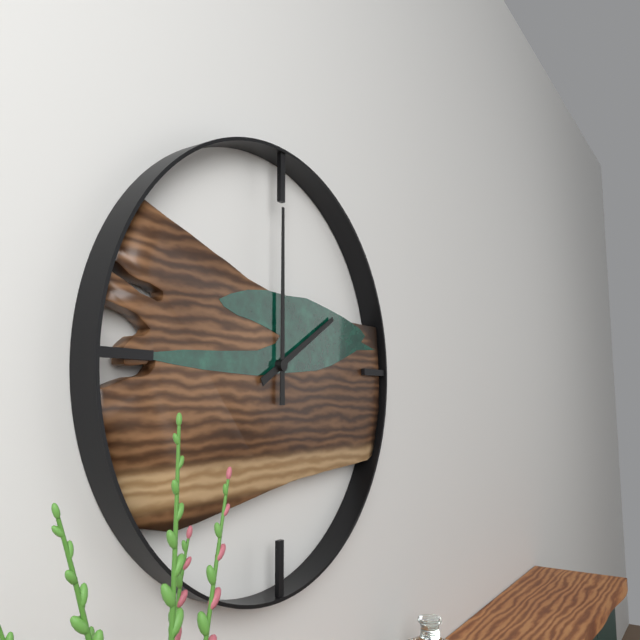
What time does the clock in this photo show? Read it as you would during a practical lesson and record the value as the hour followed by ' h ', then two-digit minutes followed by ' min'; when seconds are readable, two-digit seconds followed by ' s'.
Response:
2 h 00 min
